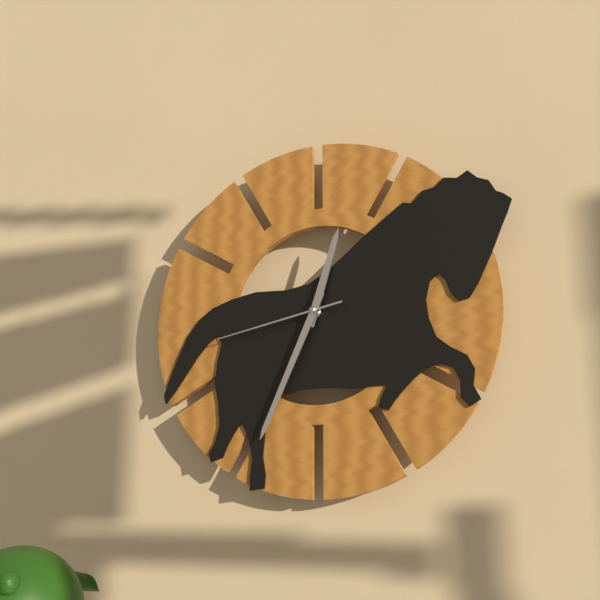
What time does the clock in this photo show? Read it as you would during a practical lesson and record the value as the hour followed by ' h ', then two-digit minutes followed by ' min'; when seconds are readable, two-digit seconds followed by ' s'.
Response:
12 h 34 min 43 s
